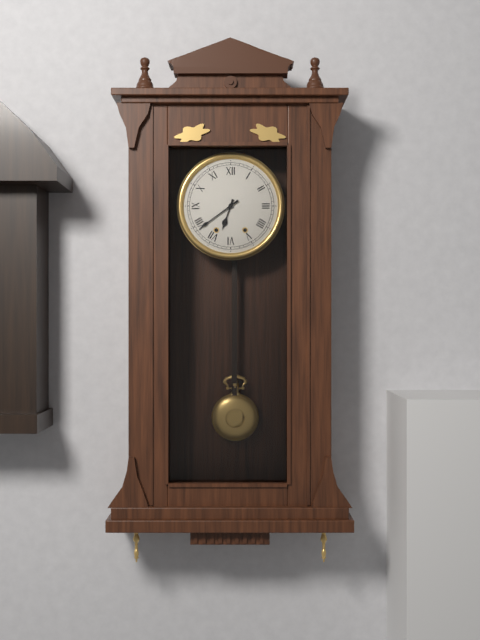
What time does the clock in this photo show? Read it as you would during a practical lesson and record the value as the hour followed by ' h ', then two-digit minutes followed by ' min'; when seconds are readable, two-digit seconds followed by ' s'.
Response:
6 h 39 min
